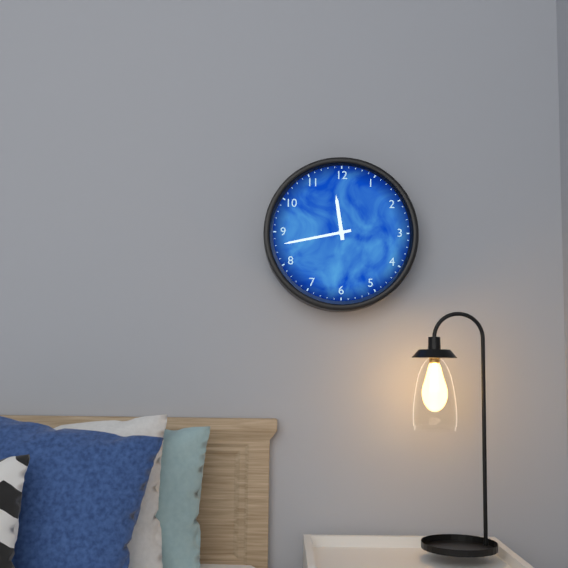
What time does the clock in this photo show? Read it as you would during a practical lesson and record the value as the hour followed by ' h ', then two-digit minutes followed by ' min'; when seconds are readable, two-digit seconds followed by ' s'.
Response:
11 h 43 min
